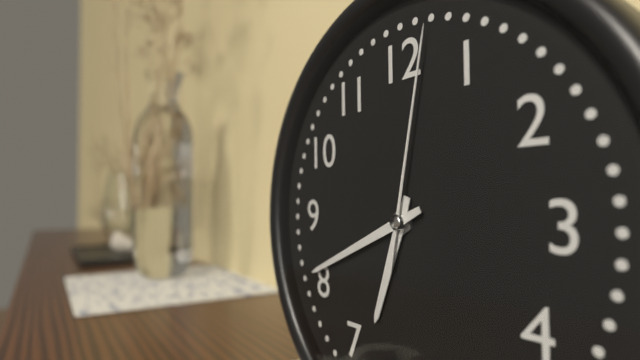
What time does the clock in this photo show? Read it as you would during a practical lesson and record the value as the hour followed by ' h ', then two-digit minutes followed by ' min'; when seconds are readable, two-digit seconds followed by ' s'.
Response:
6 h 41 min 02 s
